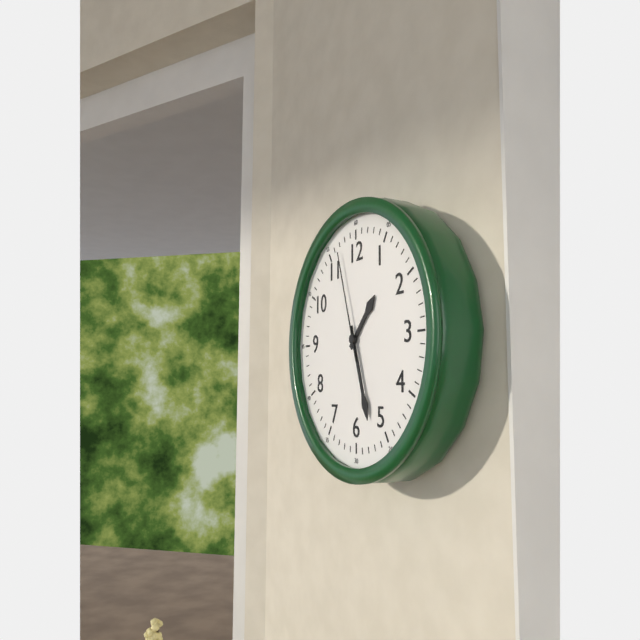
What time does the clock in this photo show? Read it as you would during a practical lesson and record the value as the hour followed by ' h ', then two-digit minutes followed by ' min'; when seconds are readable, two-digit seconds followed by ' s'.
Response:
1 h 27 min 57 s
